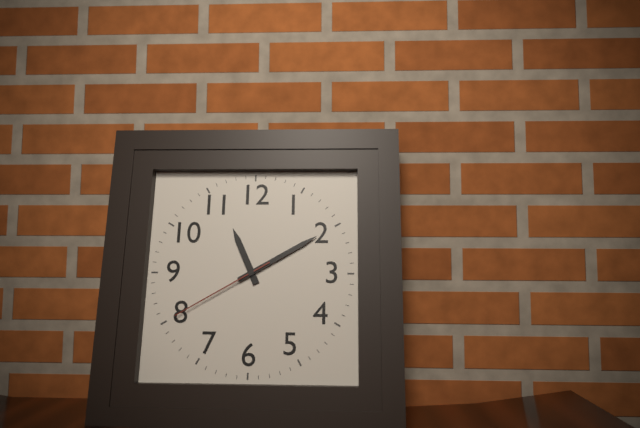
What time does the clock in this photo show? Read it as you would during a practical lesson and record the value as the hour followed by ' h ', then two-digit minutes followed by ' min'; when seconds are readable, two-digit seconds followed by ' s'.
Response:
11 h 10 min 40 s
